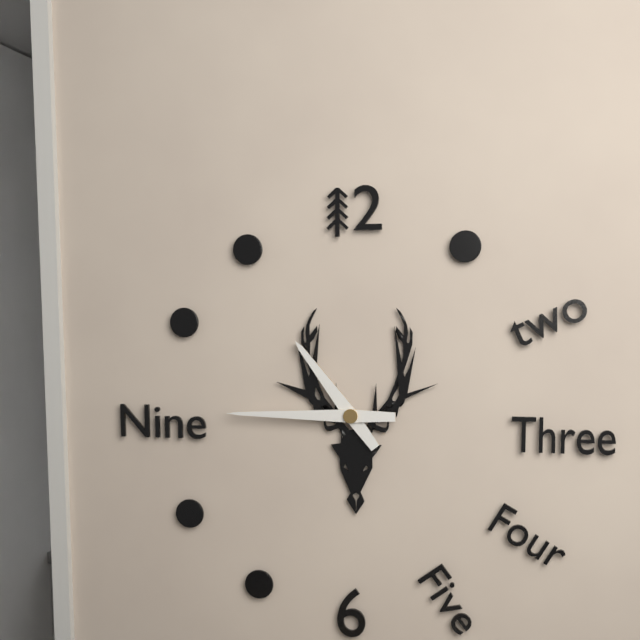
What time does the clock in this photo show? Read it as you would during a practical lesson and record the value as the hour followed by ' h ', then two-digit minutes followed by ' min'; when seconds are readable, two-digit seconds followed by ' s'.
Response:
10 h 45 min
